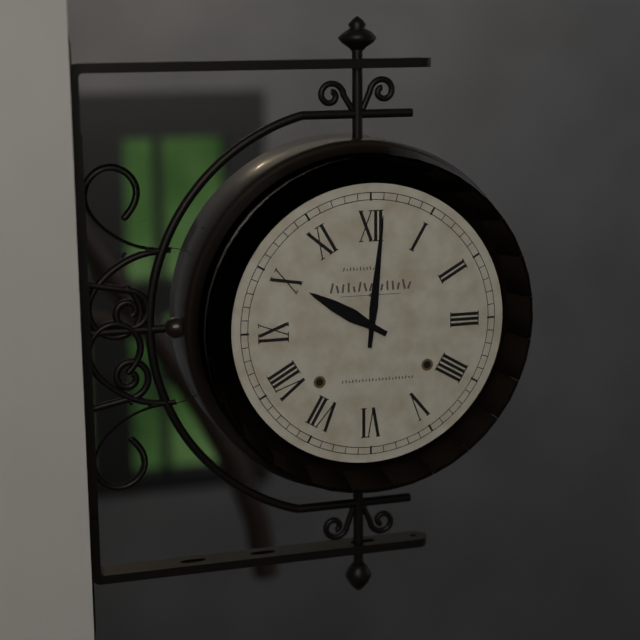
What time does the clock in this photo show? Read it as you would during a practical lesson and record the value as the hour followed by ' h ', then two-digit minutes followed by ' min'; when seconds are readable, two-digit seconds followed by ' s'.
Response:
10 h 01 min
